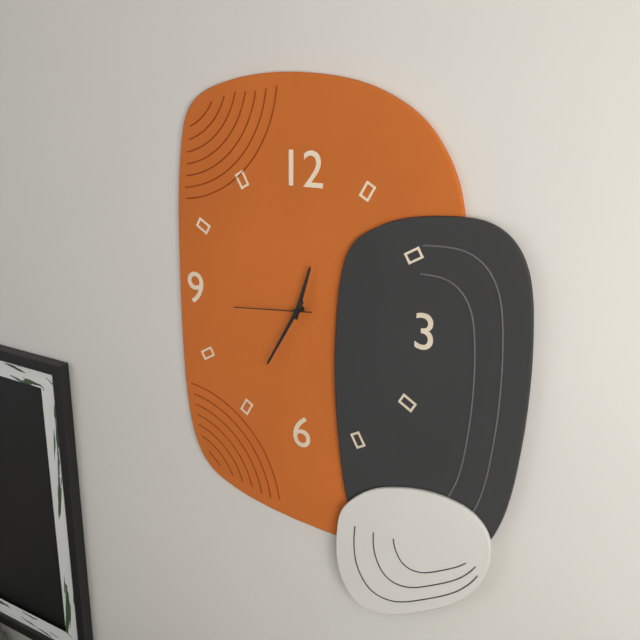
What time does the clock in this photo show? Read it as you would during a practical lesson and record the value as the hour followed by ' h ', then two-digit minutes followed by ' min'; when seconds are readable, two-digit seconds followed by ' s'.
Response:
12 h 35 min 44 s
